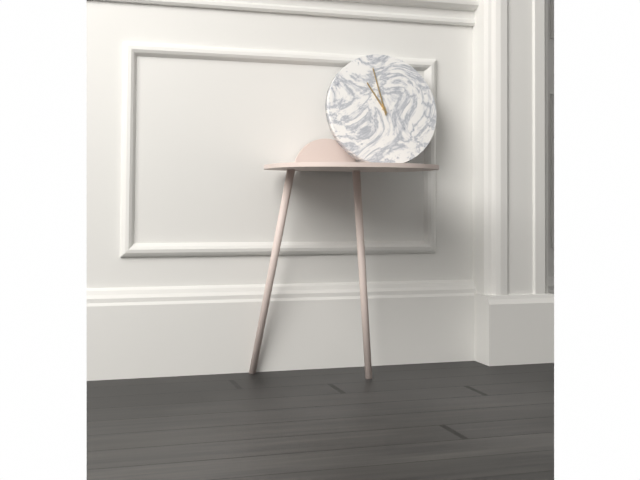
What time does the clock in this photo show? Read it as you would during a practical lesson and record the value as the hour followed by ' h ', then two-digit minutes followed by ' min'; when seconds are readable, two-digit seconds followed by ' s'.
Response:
10 h 58 min
